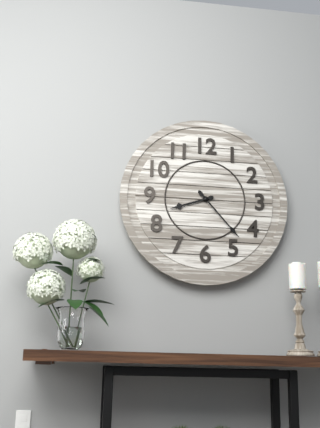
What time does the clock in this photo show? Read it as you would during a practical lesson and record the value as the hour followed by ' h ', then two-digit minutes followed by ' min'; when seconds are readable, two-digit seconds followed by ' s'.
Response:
8 h 23 min
